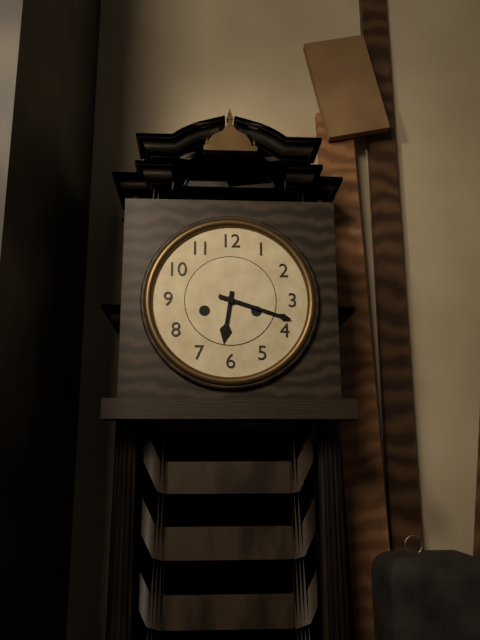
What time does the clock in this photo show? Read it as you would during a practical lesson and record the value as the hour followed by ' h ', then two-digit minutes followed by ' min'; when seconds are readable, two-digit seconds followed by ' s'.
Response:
6 h 18 min
